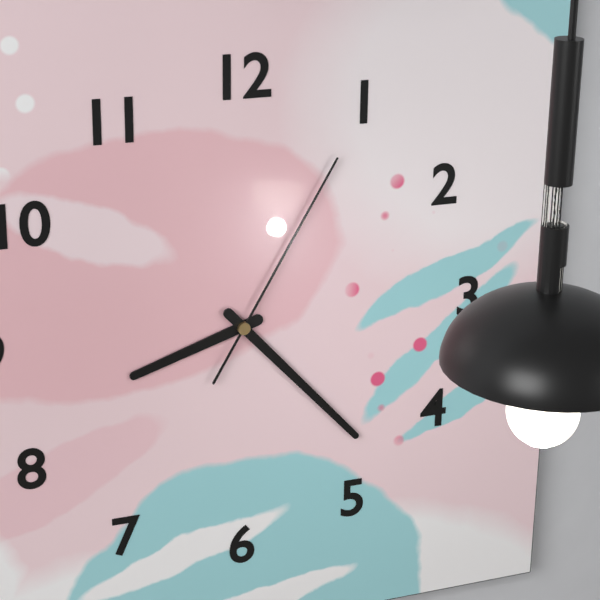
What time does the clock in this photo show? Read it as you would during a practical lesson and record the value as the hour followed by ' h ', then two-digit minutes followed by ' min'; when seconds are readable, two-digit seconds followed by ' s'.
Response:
8 h 23 min 05 s
